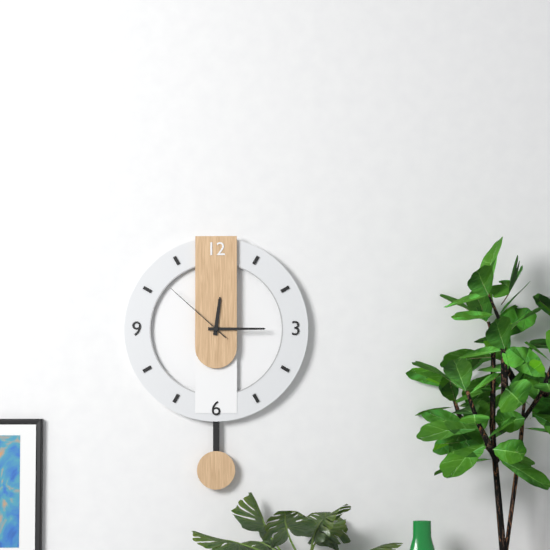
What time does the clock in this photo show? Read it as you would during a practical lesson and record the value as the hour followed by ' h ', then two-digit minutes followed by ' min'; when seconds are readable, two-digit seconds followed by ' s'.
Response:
12 h 15 min 52 s
